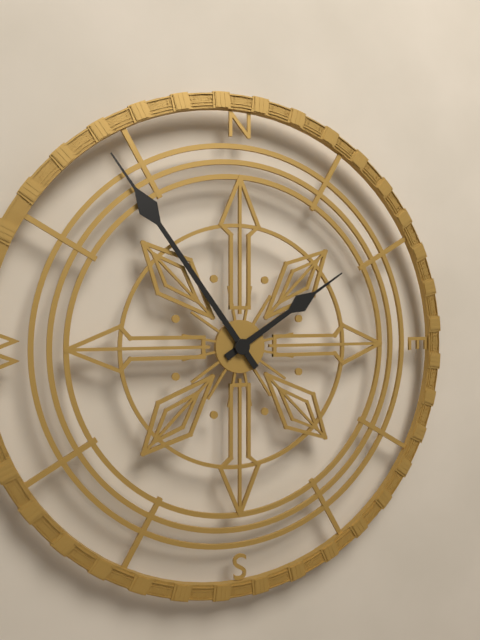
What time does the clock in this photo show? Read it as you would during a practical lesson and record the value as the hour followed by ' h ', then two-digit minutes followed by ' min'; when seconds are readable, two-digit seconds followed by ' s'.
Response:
1 h 54 min
